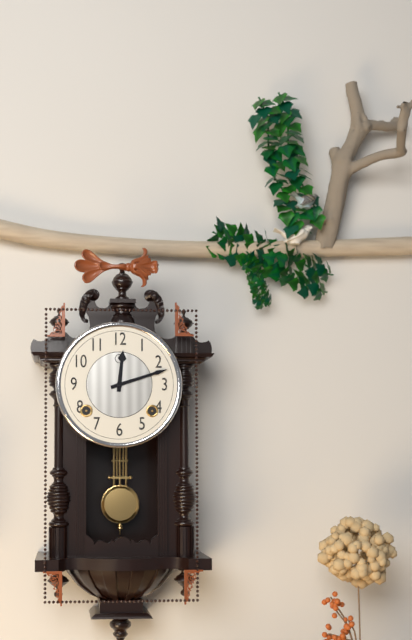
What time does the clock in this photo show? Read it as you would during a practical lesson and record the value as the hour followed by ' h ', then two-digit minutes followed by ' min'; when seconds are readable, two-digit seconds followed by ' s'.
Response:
12 h 12 min
